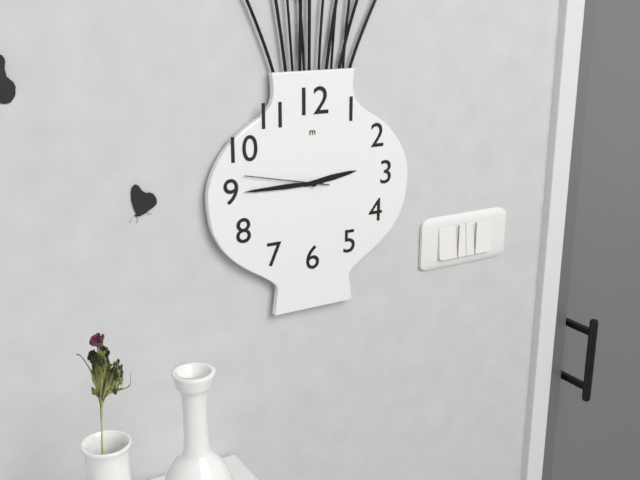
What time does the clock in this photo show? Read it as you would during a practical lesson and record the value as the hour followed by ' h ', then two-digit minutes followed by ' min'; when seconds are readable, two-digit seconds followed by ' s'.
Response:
2 h 45 min 47 s
